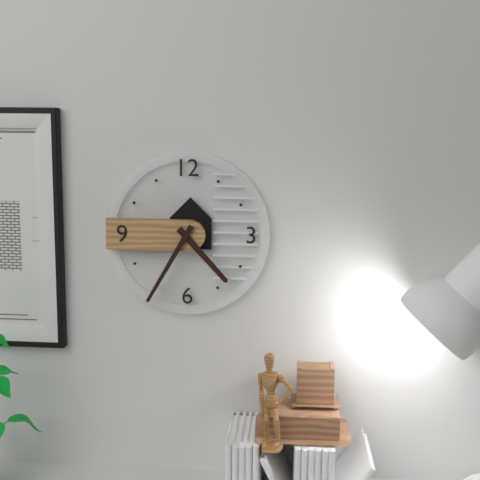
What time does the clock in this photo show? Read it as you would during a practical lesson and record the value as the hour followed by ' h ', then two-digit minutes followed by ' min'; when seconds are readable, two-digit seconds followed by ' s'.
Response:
4 h 35 min
